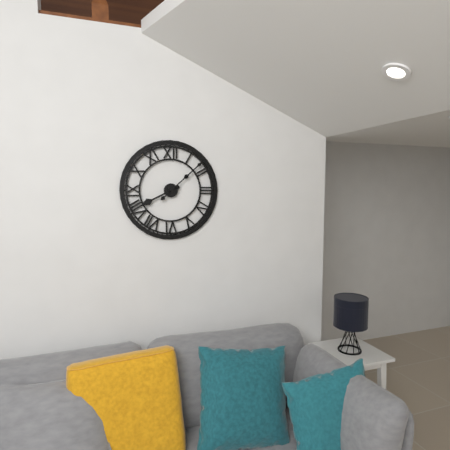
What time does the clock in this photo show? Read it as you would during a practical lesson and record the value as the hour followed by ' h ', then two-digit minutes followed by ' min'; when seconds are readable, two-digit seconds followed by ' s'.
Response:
8 h 08 min
